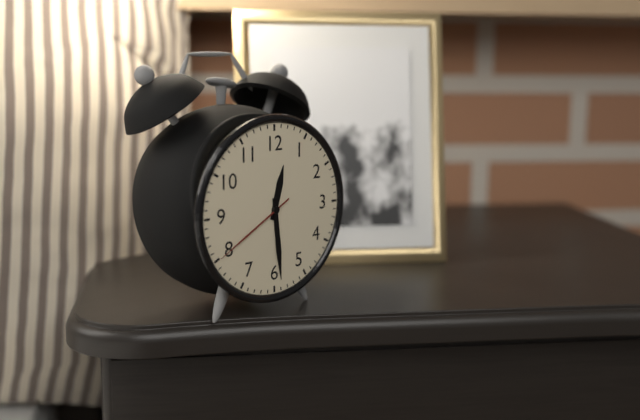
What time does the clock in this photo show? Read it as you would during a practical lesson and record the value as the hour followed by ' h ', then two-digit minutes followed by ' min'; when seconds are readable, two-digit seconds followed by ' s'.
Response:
12 h 29 min 40 s
